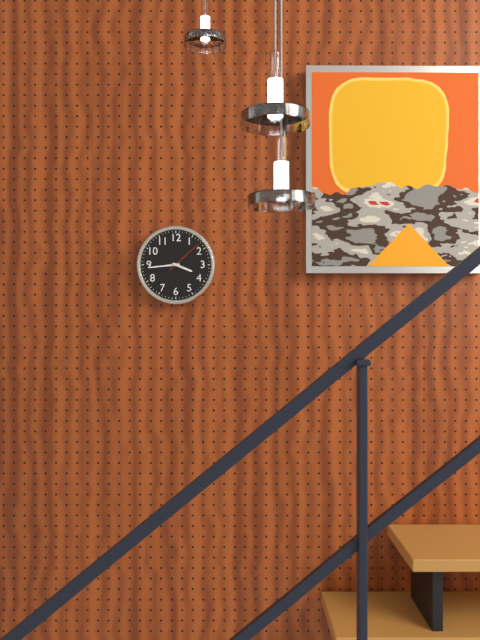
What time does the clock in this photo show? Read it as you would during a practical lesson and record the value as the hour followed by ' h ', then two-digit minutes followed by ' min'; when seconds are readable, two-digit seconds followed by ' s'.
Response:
3 h 44 min
